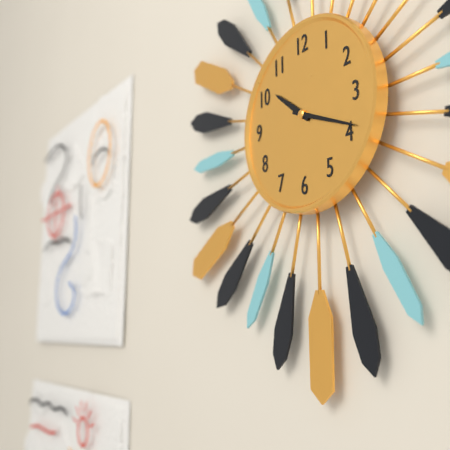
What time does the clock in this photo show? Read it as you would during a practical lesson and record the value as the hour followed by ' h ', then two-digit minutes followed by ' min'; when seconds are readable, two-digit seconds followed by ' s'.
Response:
10 h 19 min
